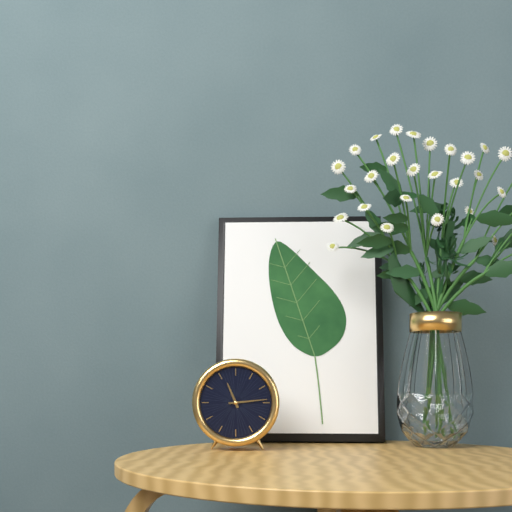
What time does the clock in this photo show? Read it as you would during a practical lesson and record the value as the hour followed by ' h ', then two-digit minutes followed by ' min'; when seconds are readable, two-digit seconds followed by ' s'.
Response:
11 h 14 min
